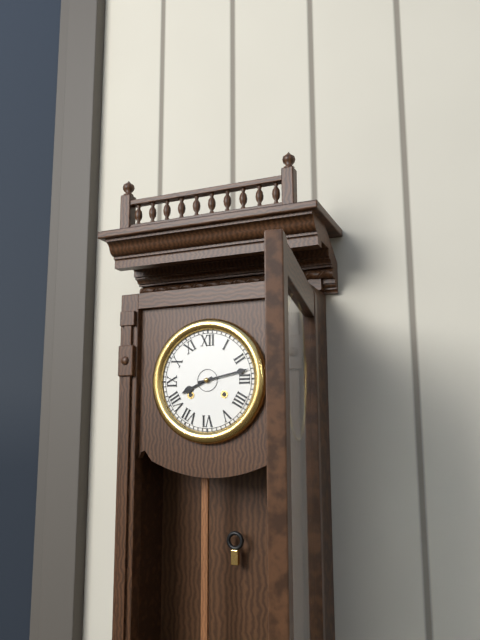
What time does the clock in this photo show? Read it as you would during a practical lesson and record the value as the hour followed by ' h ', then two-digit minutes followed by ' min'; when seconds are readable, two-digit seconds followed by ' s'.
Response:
8 h 13 min
